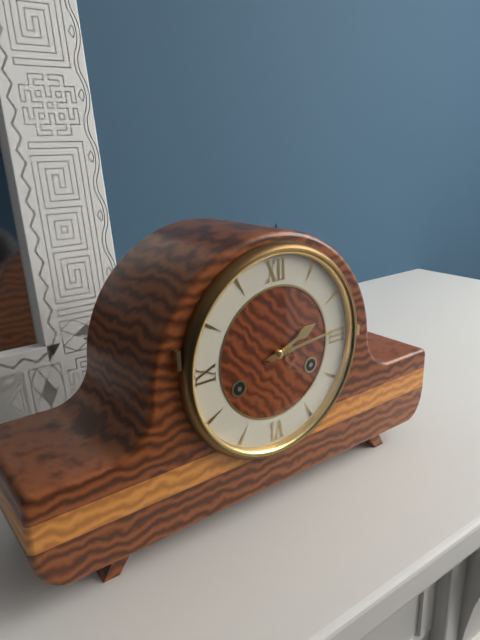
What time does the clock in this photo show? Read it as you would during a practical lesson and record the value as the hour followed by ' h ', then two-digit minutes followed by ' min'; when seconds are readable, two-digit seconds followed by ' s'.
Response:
2 h 14 min
